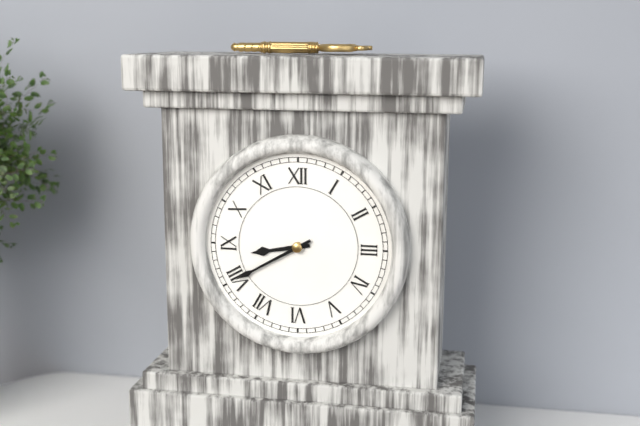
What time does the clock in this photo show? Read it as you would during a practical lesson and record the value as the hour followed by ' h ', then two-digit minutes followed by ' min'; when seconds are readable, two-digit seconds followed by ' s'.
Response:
8 h 40 min
